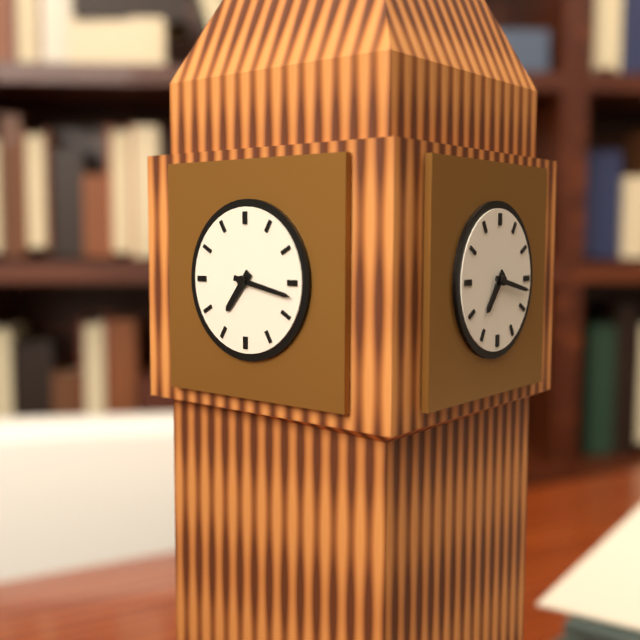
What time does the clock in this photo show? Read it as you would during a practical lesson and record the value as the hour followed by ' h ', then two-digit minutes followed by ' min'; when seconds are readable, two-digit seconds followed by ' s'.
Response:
7 h 17 min
